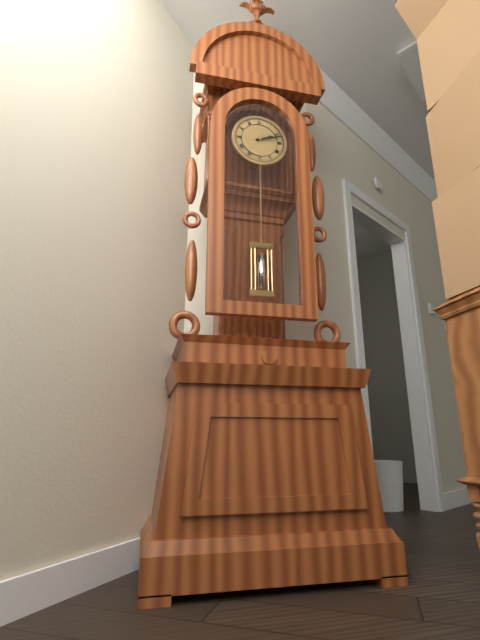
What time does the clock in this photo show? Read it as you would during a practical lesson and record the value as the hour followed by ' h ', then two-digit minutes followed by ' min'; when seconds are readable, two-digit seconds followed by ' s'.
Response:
2 h 12 min
